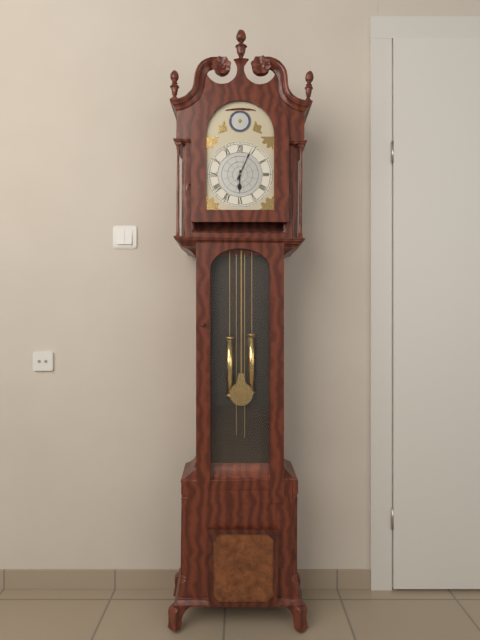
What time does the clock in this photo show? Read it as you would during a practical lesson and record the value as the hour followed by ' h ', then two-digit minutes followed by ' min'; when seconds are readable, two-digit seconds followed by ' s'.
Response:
6 h 04 min
